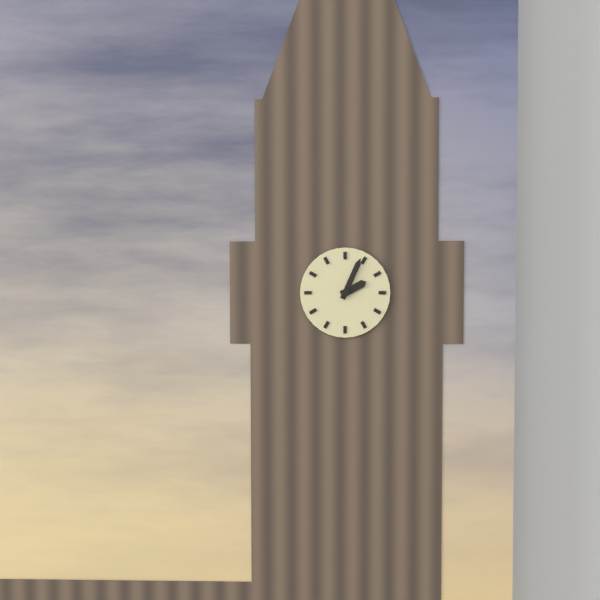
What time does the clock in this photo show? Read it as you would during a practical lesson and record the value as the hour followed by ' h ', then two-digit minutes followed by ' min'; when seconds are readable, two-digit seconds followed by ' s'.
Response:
2 h 04 min
